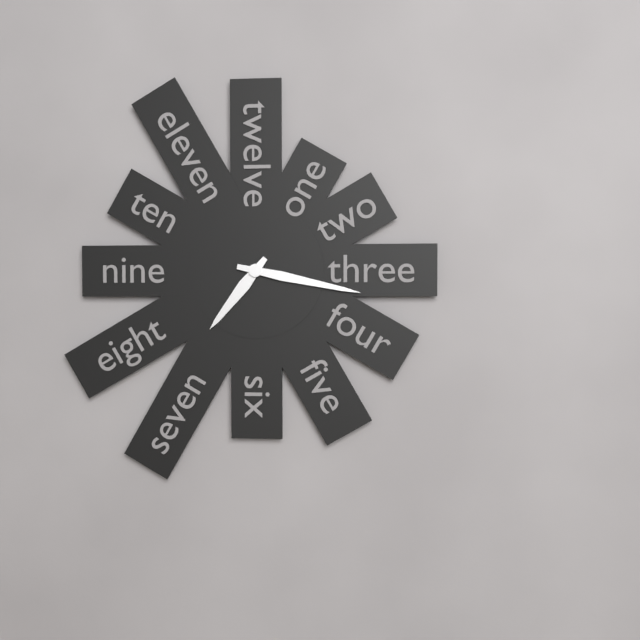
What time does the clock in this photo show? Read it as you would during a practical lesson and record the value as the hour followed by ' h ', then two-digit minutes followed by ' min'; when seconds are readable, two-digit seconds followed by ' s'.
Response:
7 h 17 min
